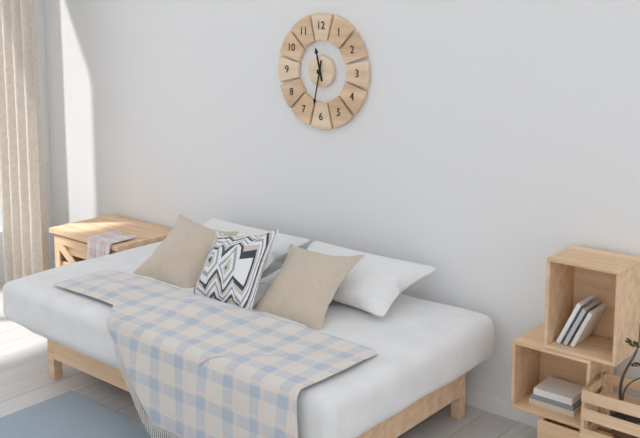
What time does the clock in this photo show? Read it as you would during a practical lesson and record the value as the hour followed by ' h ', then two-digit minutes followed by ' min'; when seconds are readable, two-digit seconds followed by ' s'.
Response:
11 h 32 min
